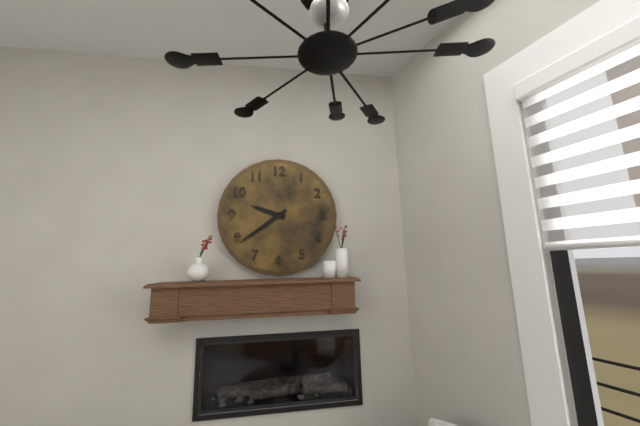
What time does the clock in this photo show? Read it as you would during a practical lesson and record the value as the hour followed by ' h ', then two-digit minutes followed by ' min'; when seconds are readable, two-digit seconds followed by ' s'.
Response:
9 h 39 min
